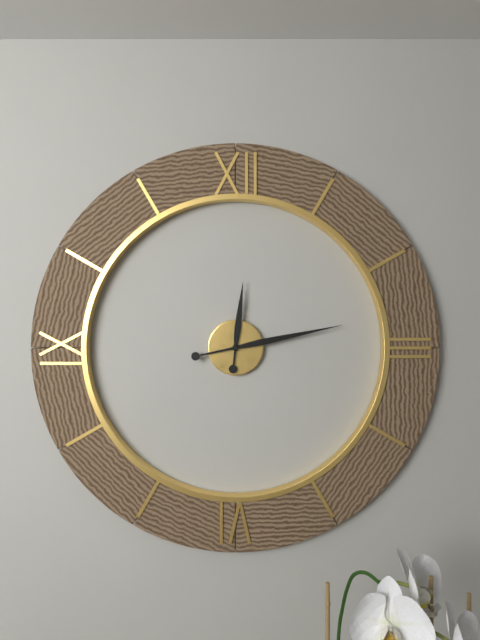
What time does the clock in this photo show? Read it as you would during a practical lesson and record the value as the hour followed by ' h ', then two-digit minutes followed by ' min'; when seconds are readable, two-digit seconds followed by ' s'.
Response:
12 h 13 min
